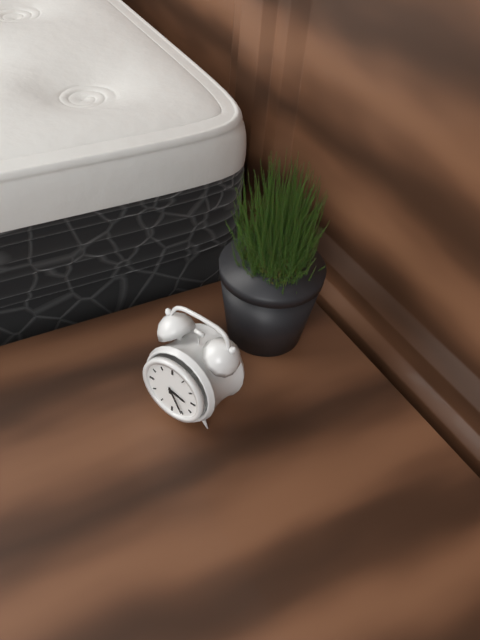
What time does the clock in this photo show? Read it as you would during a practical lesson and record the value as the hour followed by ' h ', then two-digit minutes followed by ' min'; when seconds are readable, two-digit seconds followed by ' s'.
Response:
3 h 25 min
